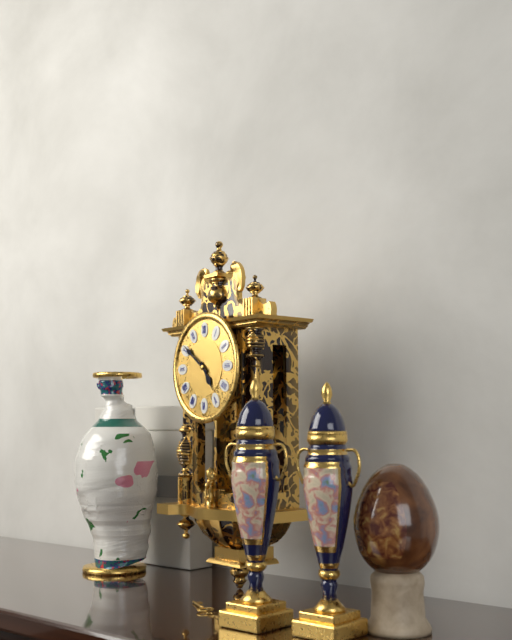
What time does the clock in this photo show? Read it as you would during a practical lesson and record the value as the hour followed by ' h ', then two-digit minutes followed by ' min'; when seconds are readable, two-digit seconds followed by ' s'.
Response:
4 h 51 min
